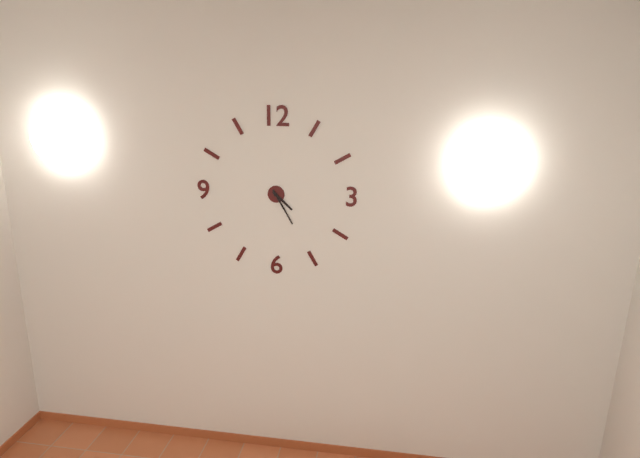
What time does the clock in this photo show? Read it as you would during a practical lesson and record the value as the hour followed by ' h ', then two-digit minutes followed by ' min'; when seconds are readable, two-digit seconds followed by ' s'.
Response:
4 h 25 min
